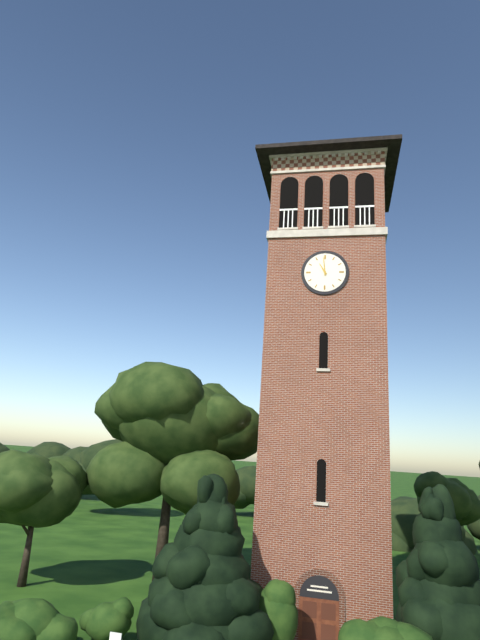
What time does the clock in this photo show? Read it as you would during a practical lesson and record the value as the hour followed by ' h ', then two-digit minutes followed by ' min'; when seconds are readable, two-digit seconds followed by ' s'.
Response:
10 h 59 min
